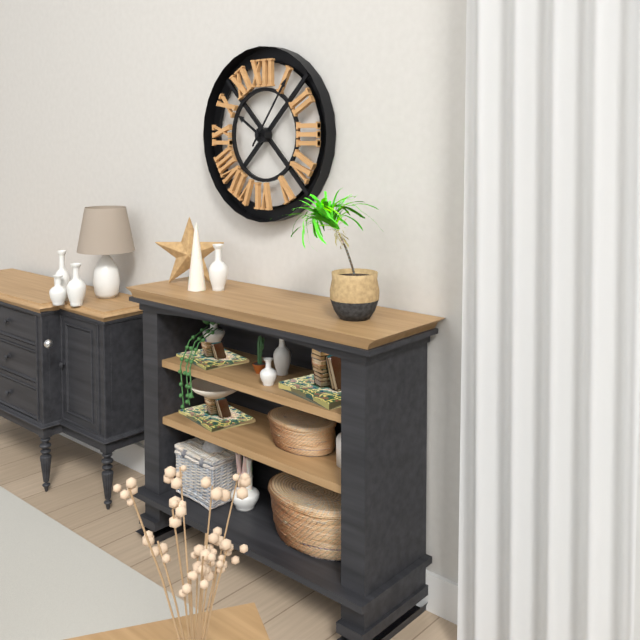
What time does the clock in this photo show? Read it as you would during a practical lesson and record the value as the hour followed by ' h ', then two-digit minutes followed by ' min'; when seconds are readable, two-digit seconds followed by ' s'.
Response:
10 h 06 min
